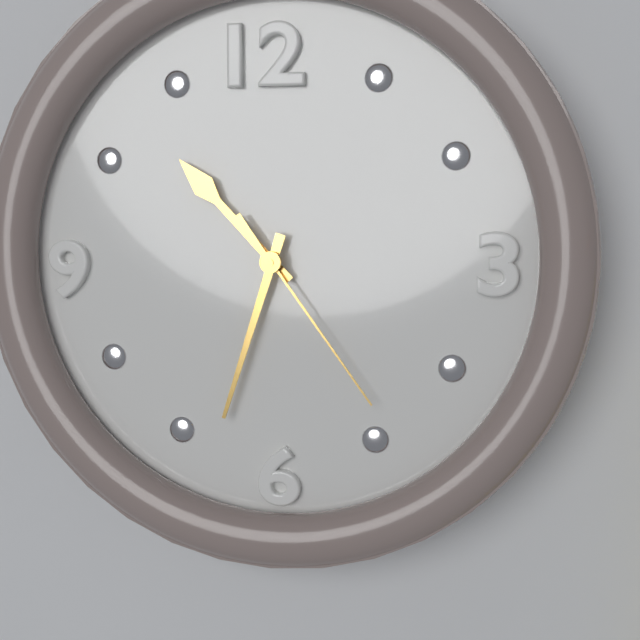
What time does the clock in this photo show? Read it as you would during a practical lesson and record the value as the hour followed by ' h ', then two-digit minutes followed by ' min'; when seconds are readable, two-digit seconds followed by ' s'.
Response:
10 h 33 min 24 s
